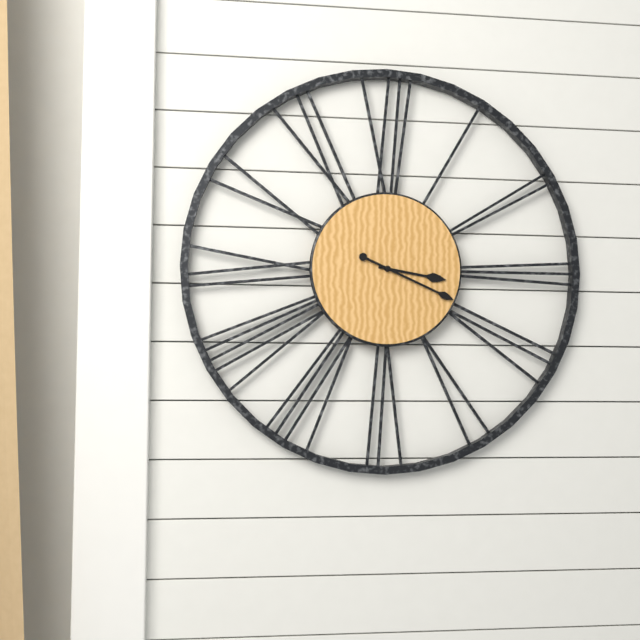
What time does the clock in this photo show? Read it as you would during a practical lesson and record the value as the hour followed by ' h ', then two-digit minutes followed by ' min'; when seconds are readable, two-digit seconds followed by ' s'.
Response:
3 h 19 min
